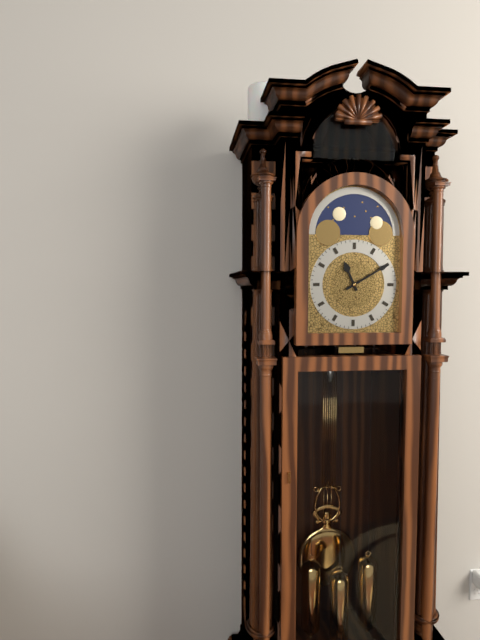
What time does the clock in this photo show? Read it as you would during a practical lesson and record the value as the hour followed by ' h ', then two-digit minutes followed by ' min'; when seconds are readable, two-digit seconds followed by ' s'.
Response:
11 h 10 min
